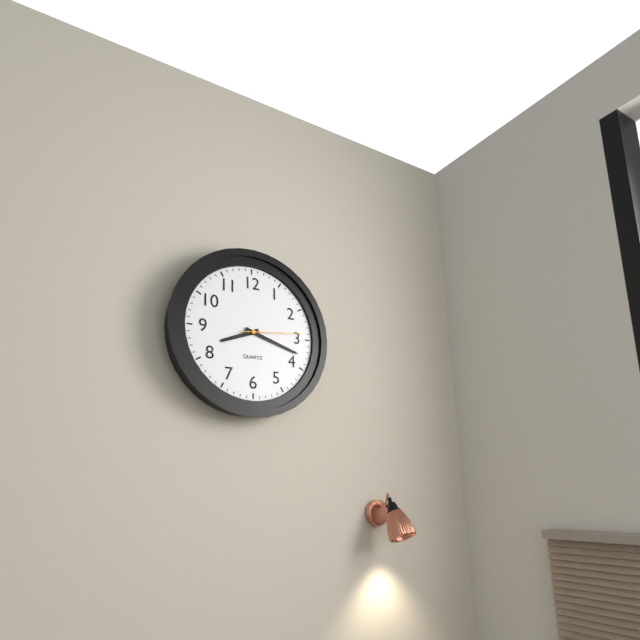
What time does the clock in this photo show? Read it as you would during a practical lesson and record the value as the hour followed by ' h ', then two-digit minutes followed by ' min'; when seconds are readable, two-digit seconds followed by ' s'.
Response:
8 h 18 min 14 s
